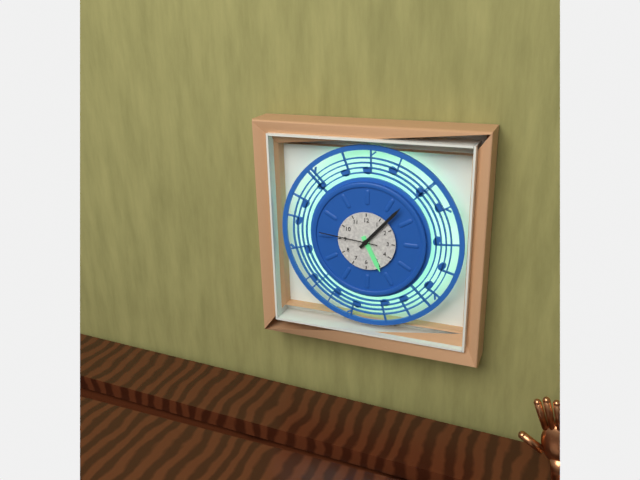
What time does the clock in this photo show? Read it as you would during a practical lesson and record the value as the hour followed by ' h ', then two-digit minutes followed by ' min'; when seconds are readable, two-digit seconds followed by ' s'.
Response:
5 h 07 min 46 s
